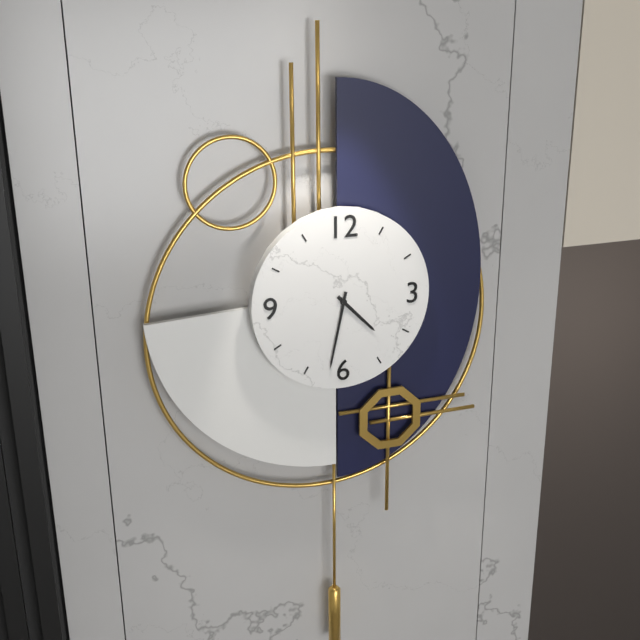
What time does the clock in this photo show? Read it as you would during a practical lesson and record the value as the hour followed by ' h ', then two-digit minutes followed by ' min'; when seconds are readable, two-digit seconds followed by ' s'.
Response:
4 h 32 min
